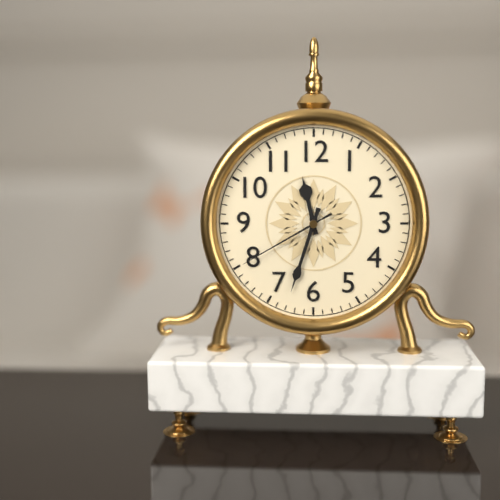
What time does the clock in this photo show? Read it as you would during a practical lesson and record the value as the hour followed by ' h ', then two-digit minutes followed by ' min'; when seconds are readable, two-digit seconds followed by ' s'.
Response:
11 h 33 min 40 s
